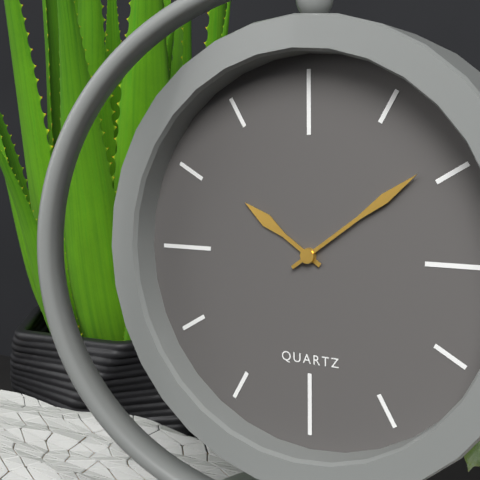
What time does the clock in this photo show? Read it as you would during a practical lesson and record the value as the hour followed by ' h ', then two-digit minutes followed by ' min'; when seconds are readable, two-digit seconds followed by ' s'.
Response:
10 h 09 min
